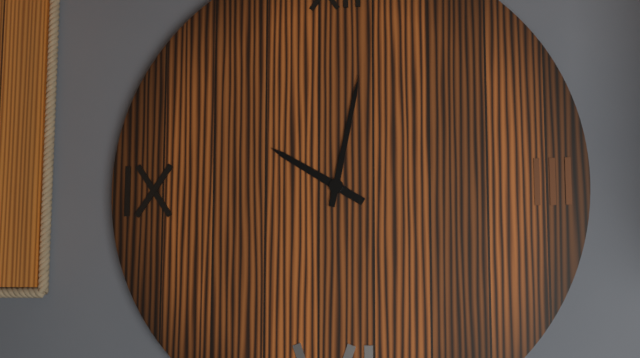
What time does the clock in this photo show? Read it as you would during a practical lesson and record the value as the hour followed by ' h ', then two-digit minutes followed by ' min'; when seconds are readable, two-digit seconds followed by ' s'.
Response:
10 h 02 min
